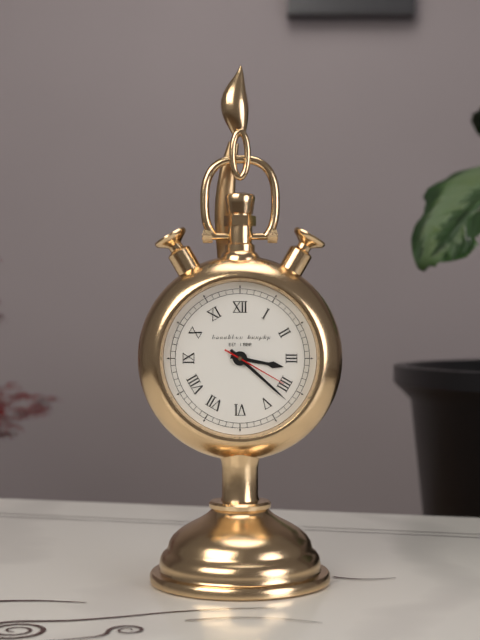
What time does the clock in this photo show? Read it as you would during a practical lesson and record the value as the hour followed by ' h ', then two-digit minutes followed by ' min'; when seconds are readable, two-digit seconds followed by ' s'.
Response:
3 h 22 min 20 s
